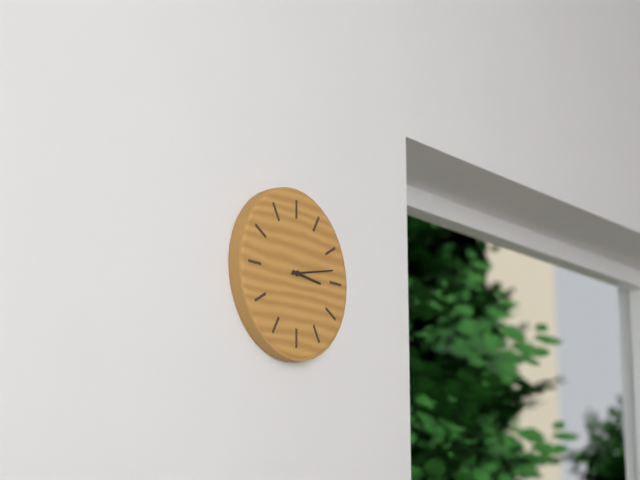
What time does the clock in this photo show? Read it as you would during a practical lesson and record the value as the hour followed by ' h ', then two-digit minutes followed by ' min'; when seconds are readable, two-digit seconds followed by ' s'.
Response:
3 h 13 min
